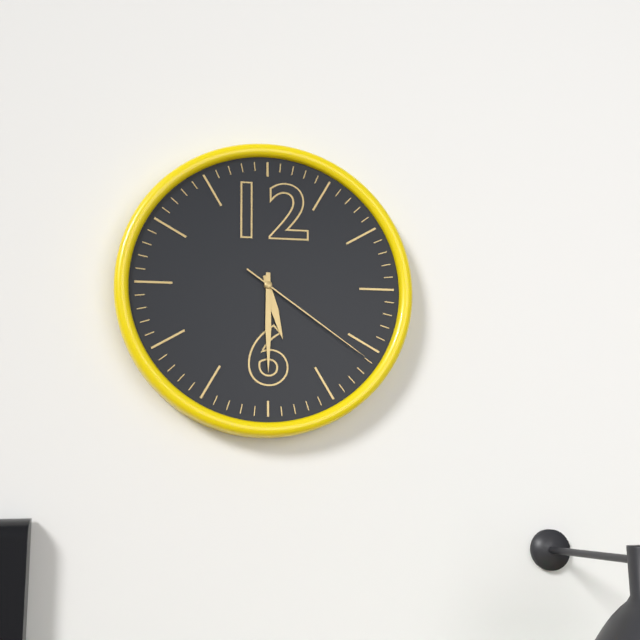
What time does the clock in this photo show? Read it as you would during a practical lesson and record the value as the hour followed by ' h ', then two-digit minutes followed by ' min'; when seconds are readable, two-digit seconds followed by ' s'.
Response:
5 h 30 min 21 s
